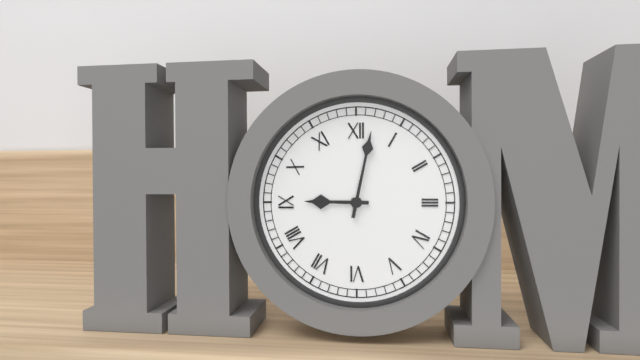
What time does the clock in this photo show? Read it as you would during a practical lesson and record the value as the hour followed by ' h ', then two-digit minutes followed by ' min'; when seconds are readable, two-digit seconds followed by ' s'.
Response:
9 h 02 min
